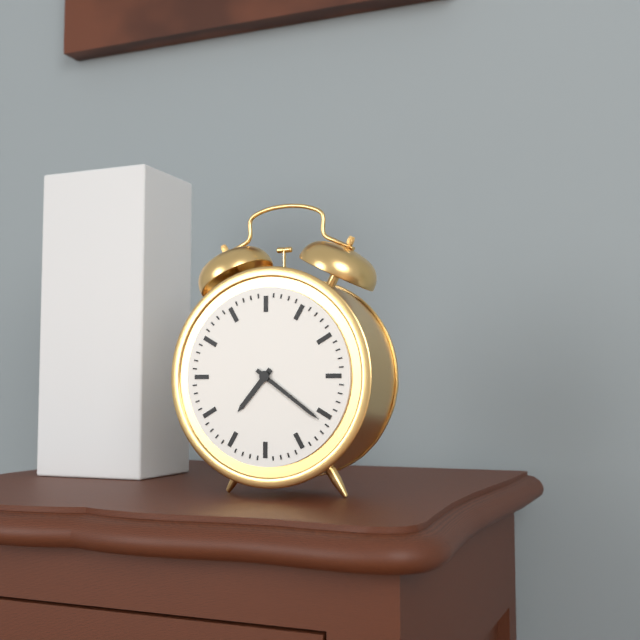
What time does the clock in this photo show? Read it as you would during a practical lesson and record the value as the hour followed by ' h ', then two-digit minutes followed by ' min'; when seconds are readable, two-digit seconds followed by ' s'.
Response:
7 h 21 min
